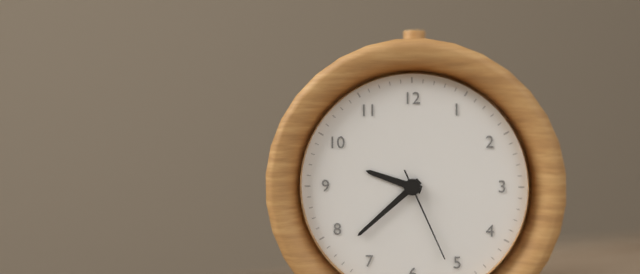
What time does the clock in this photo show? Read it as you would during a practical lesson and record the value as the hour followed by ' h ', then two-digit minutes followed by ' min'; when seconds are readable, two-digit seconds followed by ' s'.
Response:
9 h 38 min 26 s
